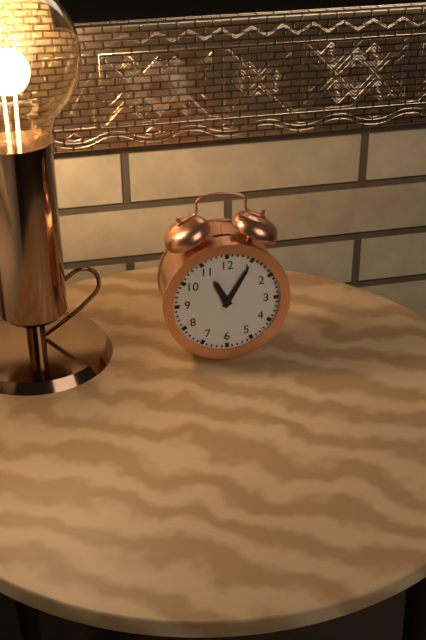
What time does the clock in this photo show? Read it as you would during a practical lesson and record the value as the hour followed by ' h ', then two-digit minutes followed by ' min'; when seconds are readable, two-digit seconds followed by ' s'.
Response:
11 h 05 min
